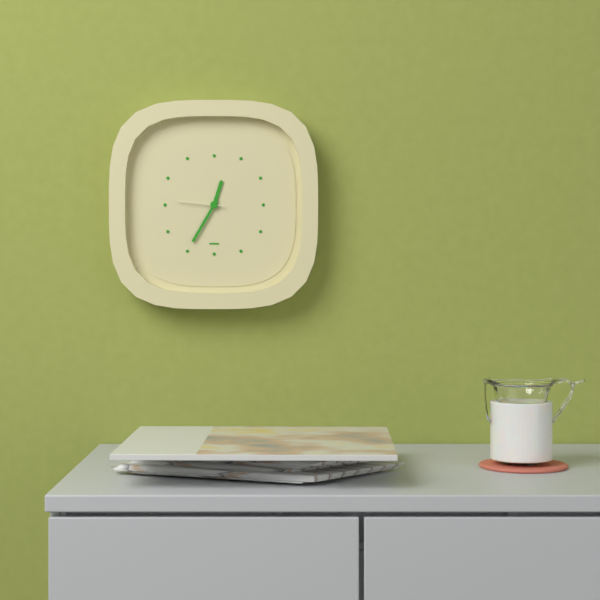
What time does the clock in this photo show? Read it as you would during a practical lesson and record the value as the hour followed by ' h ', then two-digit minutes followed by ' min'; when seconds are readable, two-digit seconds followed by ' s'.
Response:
12 h 35 min
